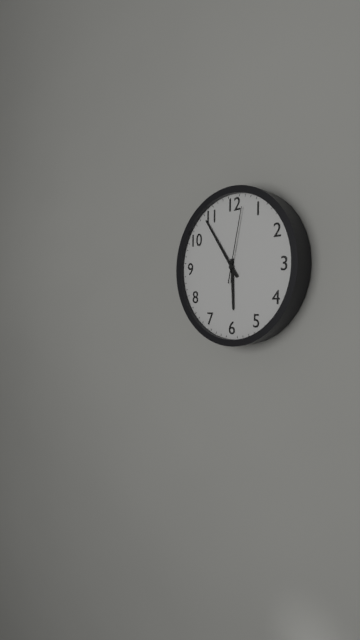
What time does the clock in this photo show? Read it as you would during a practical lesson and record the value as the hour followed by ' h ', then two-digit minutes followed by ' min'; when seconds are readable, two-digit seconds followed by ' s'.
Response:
5 h 54 min 02 s
